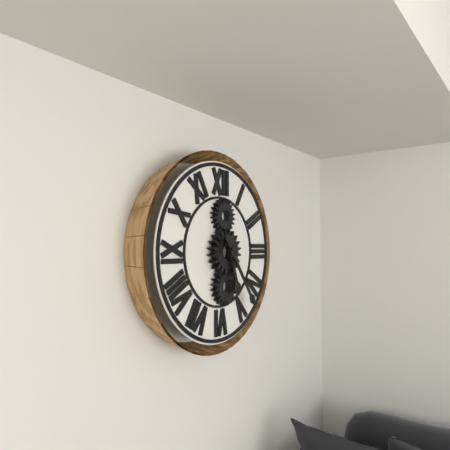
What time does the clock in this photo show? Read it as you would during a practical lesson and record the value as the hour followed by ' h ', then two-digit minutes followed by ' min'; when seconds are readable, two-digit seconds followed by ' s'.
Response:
5 h 24 min
